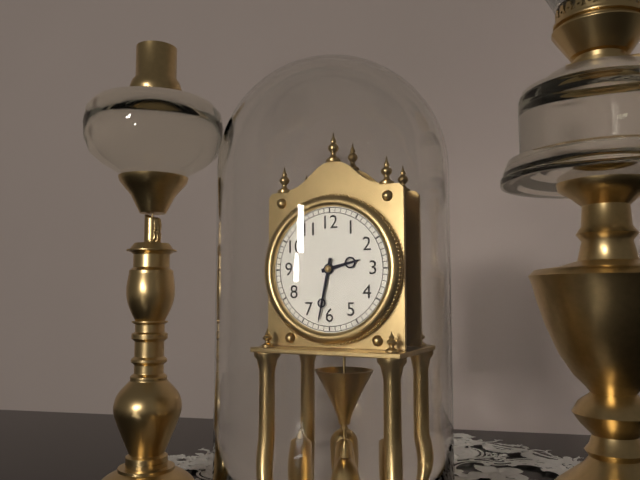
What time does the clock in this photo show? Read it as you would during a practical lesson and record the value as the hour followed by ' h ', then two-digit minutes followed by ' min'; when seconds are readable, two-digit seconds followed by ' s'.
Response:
2 h 32 min
